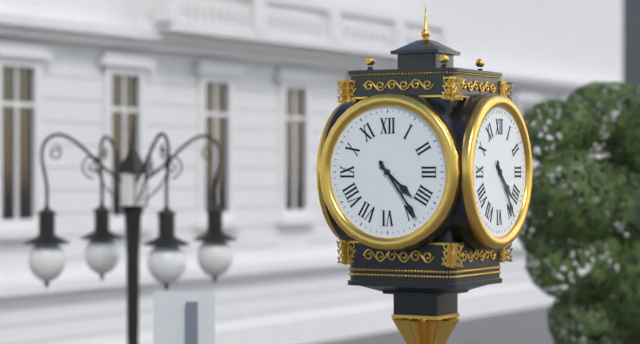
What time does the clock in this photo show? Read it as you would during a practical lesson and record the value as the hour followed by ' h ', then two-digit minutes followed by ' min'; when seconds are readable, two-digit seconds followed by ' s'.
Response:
4 h 24 min
